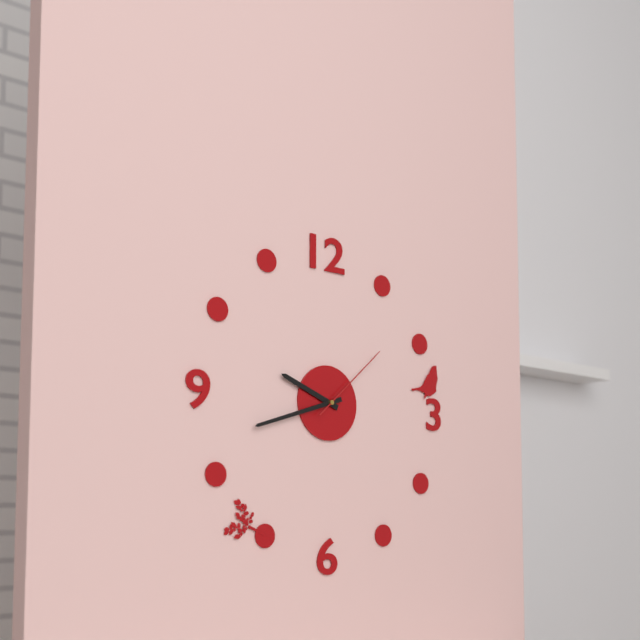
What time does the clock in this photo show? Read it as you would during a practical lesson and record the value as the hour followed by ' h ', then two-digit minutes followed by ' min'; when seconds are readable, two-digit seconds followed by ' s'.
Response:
9 h 42 min 08 s
